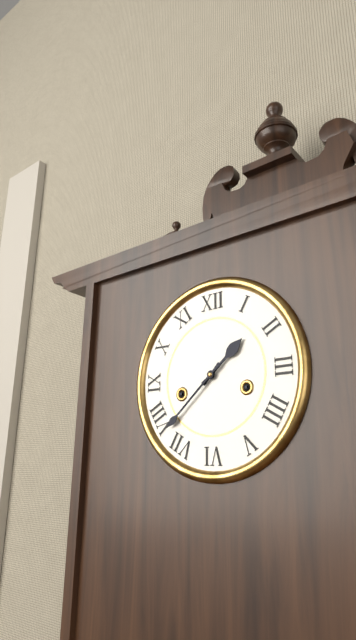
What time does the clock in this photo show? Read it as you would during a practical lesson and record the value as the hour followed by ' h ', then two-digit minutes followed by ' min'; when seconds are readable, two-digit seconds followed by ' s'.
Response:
1 h 38 min
